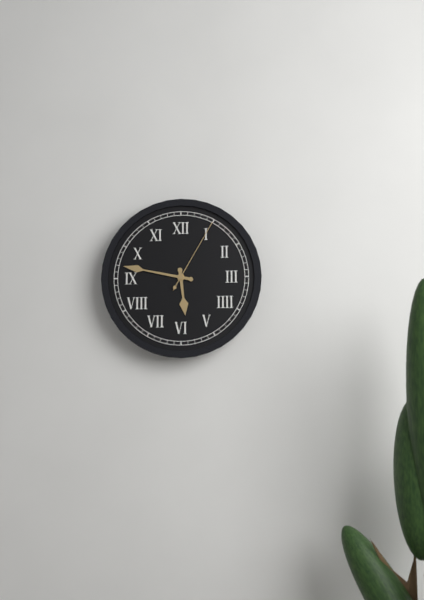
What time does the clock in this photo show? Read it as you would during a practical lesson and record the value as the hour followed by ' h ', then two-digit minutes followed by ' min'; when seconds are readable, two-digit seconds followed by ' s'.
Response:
5 h 47 min 05 s
